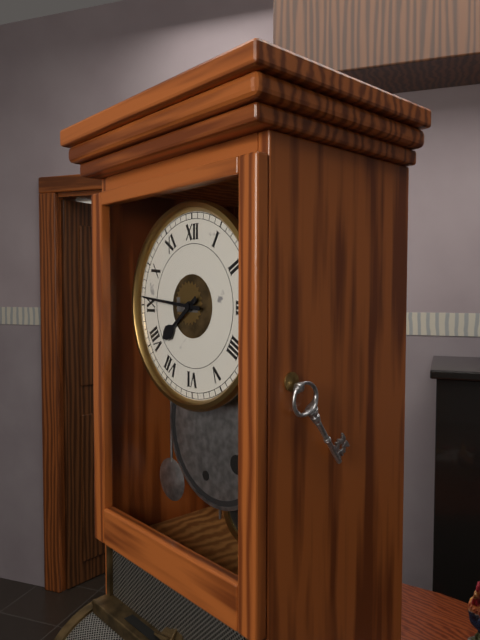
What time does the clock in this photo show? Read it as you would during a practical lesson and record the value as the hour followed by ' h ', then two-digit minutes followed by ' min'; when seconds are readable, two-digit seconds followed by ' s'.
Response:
7 h 46 min
